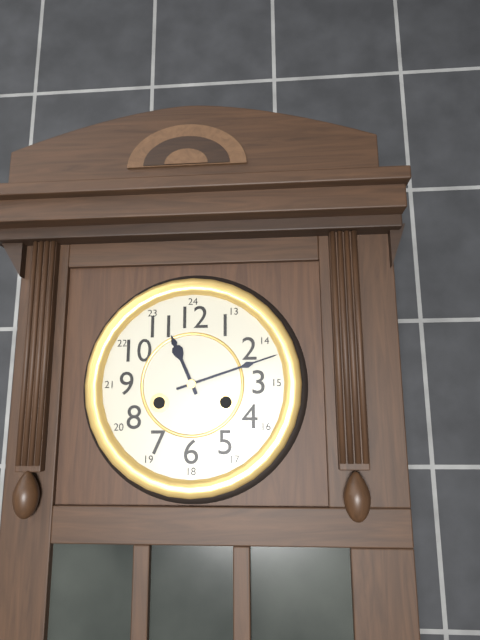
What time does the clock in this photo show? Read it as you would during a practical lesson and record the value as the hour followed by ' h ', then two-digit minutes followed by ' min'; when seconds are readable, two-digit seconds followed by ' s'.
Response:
11 h 12 min
